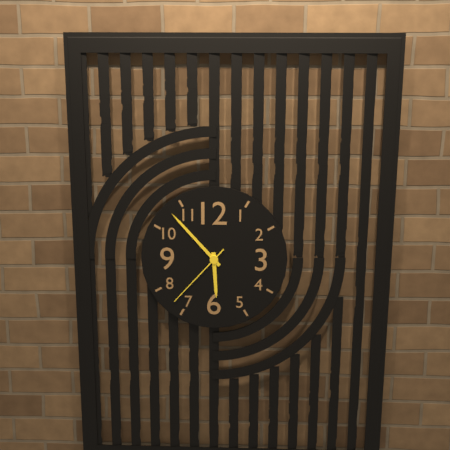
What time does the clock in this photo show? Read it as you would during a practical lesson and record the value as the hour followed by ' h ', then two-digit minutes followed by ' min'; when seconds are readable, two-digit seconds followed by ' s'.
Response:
5 h 53 min 37 s
